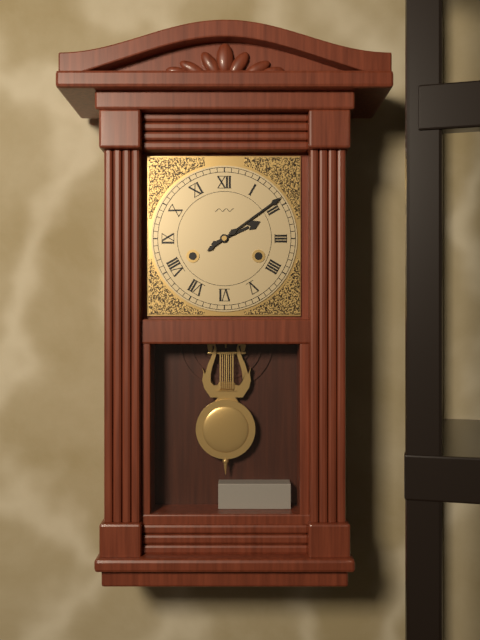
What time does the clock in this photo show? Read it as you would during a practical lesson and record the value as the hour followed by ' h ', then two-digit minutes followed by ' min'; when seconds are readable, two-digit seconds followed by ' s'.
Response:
2 h 09 min
